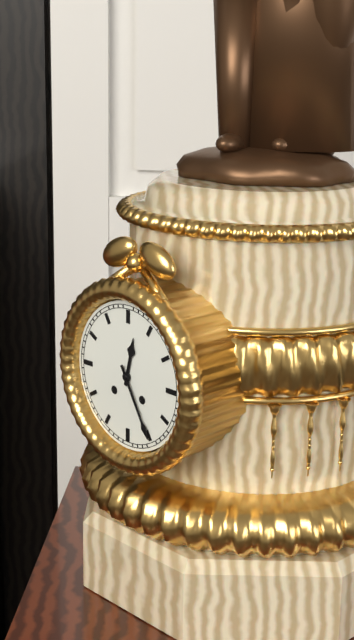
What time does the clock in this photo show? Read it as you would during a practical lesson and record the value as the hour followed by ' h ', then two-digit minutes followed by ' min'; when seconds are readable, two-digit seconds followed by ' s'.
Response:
12 h 25 min
